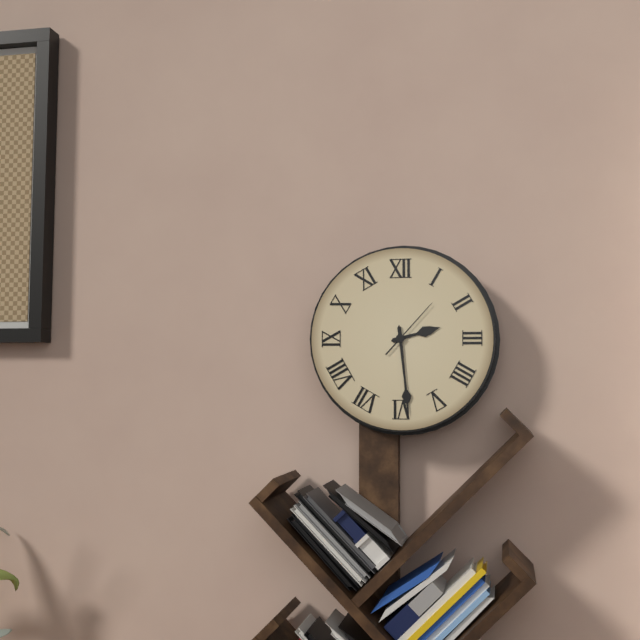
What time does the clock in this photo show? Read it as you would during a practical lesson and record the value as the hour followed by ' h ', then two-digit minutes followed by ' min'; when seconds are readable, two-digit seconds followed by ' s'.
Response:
2 h 29 min 07 s
